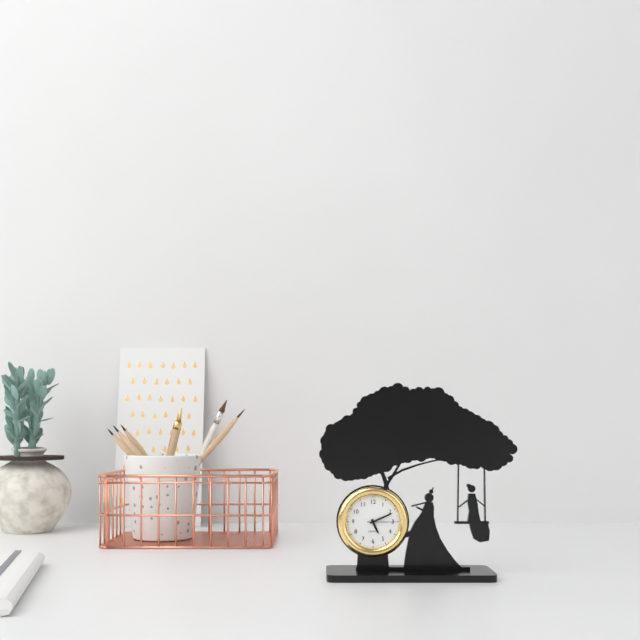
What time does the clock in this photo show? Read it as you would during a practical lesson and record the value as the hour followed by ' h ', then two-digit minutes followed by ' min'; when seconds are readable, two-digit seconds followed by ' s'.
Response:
5 h 11 min
